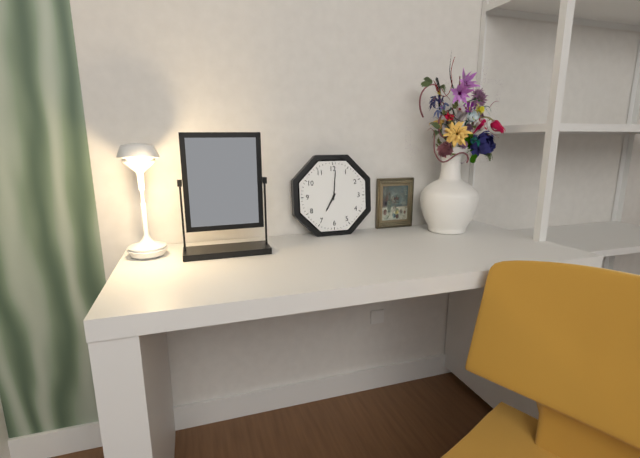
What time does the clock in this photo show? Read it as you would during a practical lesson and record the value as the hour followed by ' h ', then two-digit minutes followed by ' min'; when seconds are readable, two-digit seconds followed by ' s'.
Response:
7 h 01 min
